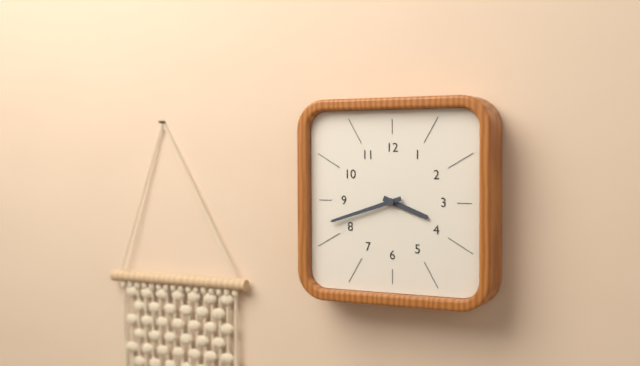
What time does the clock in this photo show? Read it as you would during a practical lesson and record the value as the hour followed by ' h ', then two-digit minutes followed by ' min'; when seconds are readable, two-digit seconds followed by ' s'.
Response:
3 h 42 min
